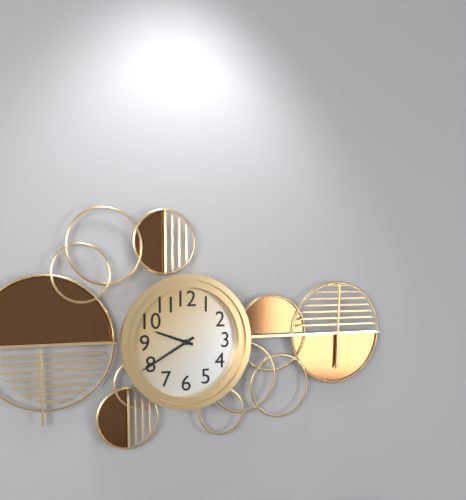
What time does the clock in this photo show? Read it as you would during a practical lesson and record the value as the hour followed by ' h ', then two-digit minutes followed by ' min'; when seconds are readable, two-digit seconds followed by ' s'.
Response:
9 h 40 min
